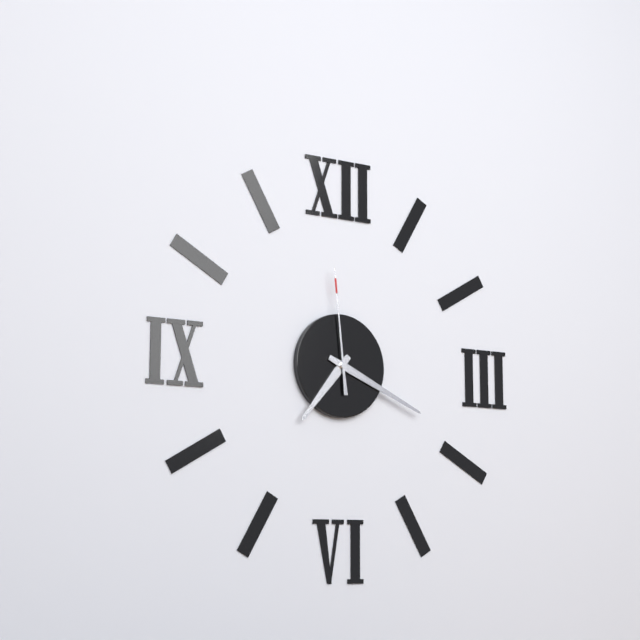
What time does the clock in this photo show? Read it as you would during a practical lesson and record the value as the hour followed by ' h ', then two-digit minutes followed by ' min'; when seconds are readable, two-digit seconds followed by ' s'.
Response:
7 h 19 min 59 s
